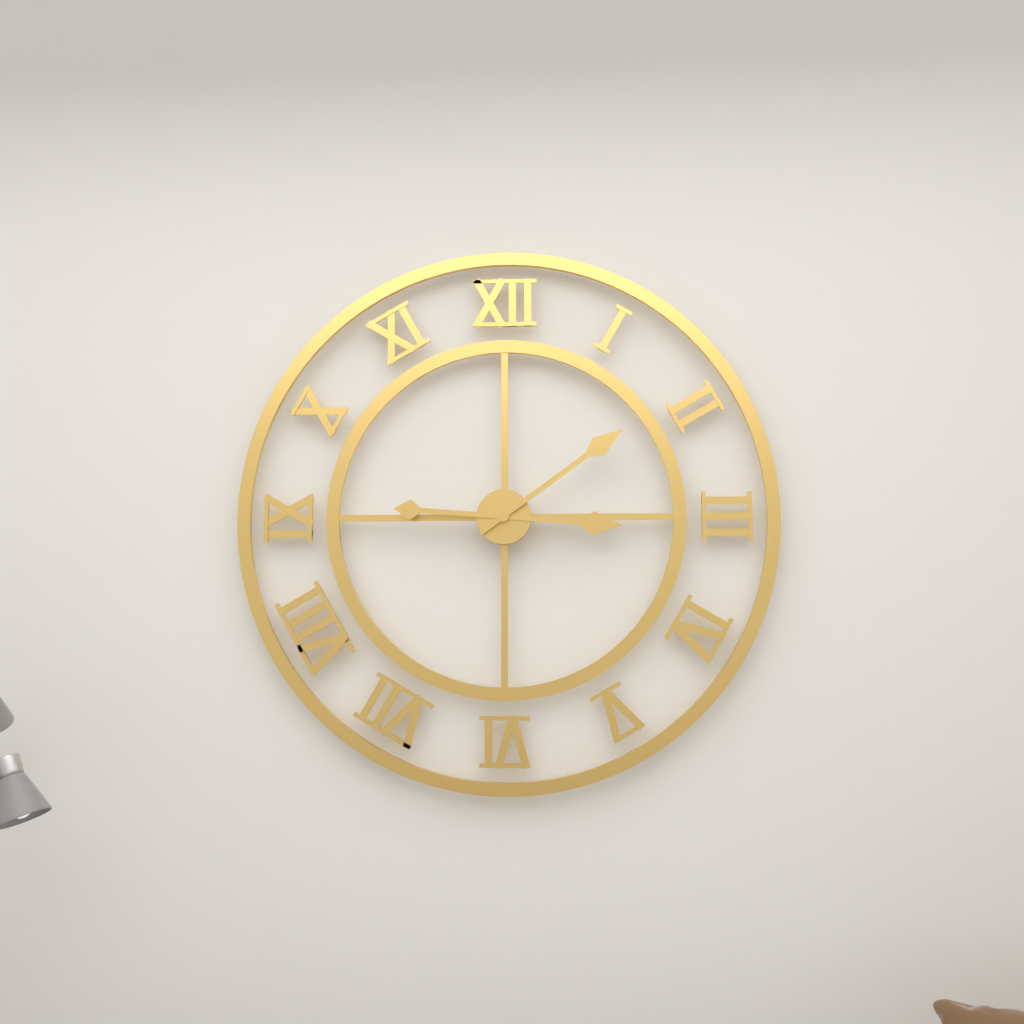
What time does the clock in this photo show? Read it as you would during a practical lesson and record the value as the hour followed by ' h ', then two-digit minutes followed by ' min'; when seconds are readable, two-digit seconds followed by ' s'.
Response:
3 h 09 min
